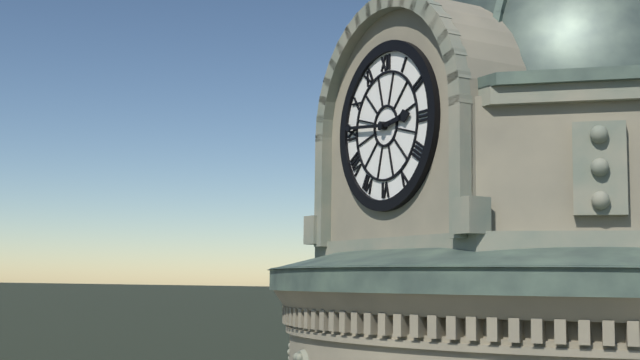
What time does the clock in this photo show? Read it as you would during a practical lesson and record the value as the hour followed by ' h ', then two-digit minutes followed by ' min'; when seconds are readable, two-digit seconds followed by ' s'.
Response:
2 h 46 min
